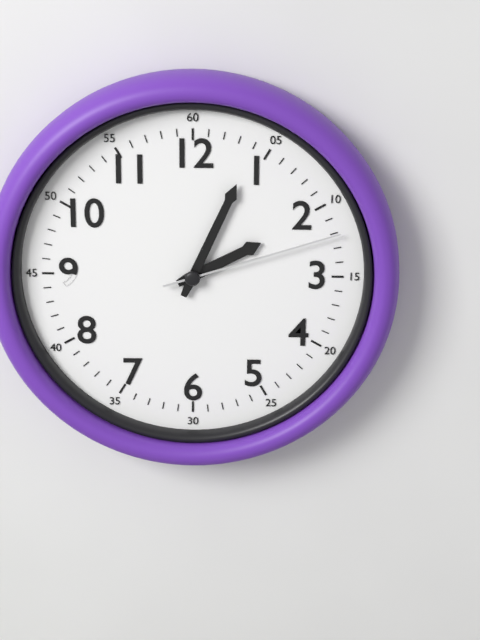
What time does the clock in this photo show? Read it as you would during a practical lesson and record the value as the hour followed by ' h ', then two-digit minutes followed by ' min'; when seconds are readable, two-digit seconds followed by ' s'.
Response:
2 h 04 min 12 s
